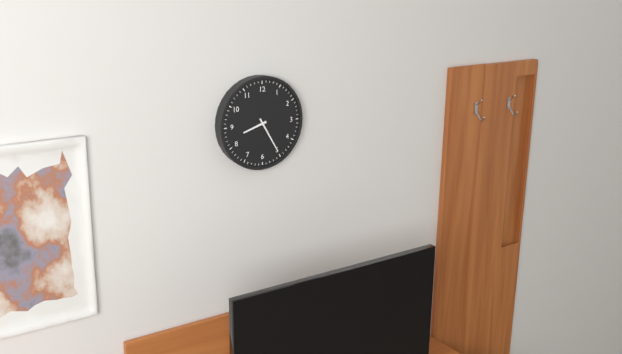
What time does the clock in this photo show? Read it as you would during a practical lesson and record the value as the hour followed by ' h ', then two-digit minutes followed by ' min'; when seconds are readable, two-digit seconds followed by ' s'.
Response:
8 h 25 min
